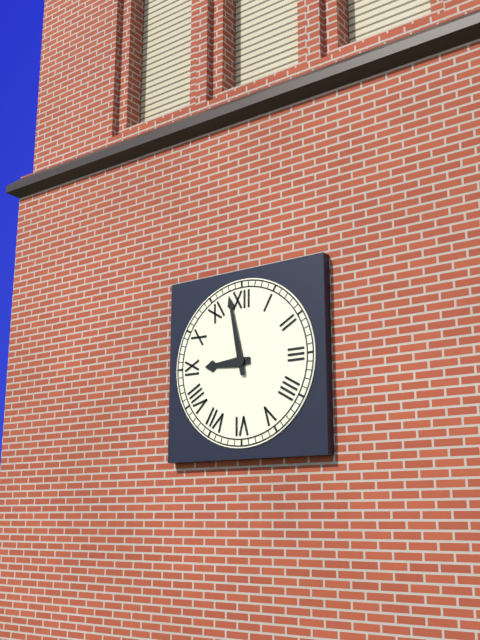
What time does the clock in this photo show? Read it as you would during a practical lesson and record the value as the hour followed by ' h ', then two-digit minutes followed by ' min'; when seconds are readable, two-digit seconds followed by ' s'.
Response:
8 h 58 min
